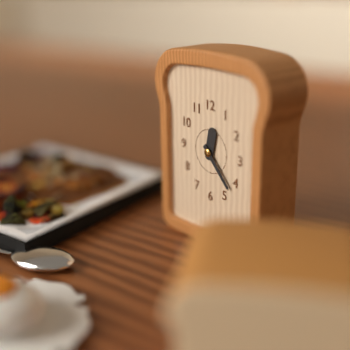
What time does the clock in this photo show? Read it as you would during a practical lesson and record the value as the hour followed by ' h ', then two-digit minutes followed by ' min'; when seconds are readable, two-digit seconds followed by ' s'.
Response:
12 h 23 min
